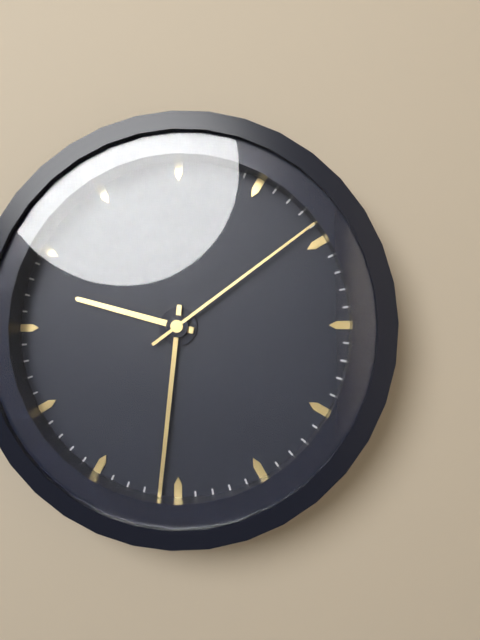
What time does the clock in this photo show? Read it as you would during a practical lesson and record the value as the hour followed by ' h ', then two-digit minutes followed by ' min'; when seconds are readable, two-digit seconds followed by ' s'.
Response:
9 h 31 min 09 s
